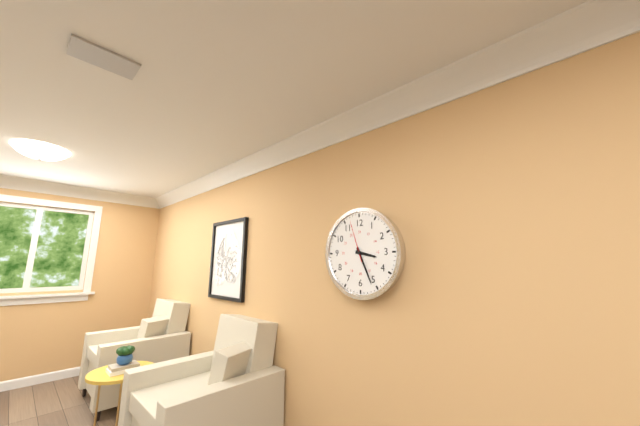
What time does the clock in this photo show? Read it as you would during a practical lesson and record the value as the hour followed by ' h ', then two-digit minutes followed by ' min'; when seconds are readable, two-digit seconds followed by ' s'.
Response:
3 h 26 min
